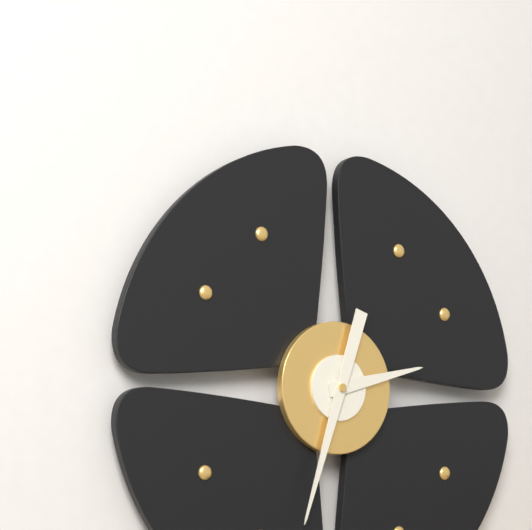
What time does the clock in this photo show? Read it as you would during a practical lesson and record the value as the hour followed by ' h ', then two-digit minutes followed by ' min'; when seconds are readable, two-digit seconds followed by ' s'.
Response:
2 h 33 min
